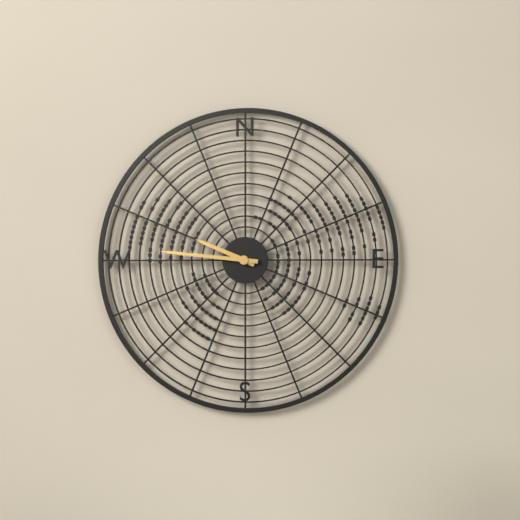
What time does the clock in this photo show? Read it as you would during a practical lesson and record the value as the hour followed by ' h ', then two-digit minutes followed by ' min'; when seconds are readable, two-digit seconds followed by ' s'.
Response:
9 h 46 min
